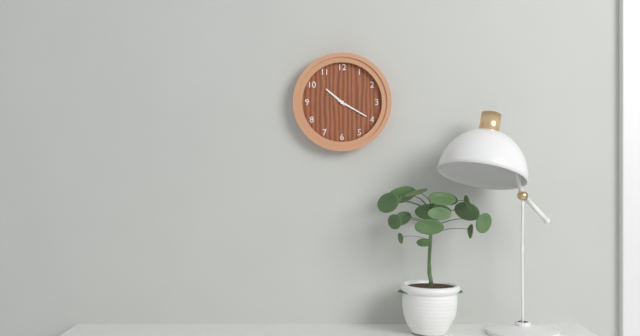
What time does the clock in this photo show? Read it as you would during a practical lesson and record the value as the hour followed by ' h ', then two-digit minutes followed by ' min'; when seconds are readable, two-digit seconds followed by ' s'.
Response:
10 h 20 min
